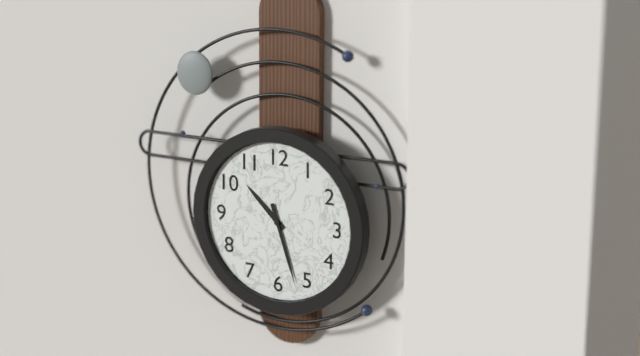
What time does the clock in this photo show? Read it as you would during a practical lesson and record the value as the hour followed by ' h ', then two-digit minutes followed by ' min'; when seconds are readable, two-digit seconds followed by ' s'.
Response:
10 h 27 min
